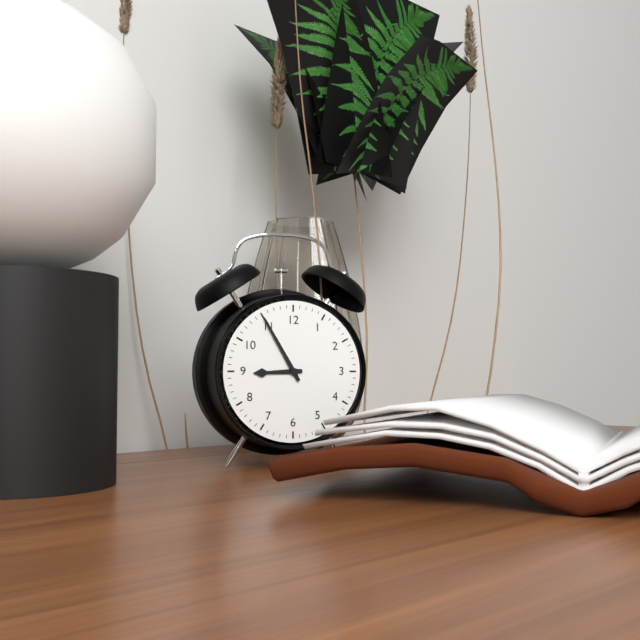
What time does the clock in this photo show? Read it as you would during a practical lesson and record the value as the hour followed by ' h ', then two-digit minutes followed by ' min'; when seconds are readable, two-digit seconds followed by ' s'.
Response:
8 h 55 min
